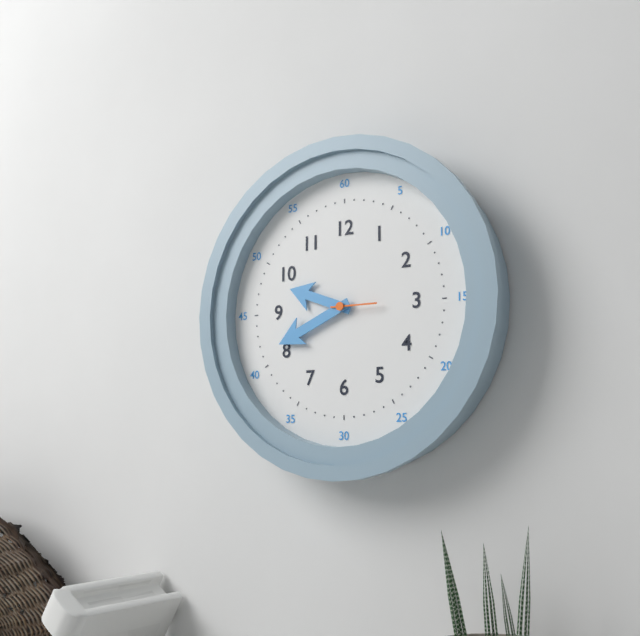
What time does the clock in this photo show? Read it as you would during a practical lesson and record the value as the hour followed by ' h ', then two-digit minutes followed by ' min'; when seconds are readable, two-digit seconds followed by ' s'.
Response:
9 h 41 min
